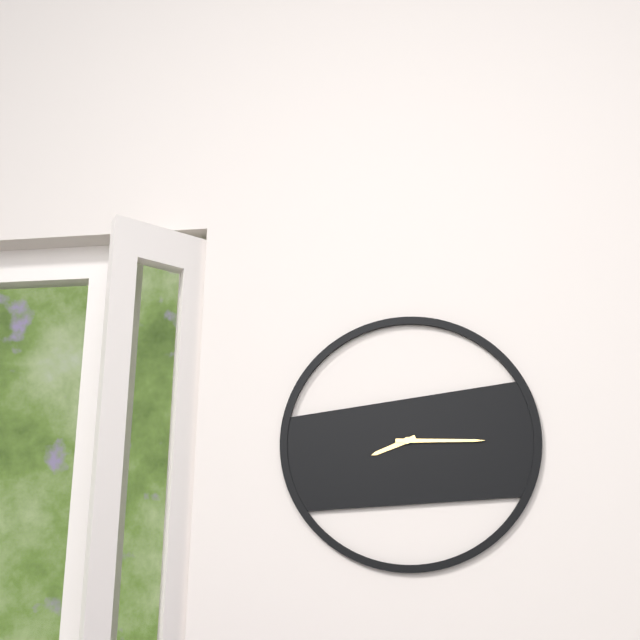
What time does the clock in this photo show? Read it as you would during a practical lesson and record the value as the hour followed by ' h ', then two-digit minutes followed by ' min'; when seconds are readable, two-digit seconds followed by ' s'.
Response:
8 h 15 min
